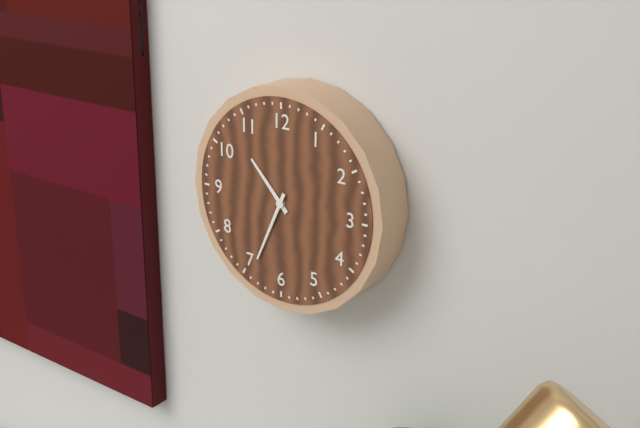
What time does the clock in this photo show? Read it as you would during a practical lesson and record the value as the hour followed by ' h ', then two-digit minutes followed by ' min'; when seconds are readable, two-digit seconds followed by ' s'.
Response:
10 h 34 min
